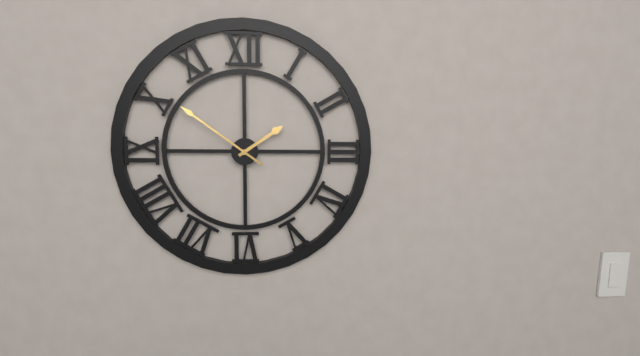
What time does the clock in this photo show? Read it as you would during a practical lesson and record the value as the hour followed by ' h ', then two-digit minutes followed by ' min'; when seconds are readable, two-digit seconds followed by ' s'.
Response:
1 h 51 min
